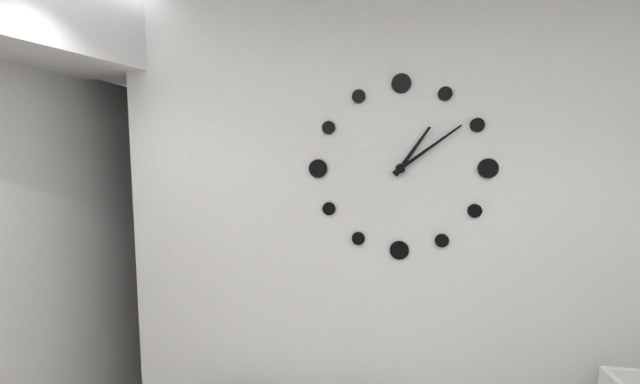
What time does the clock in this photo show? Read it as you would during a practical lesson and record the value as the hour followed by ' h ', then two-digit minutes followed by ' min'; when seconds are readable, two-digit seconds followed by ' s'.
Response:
1 h 09 min
